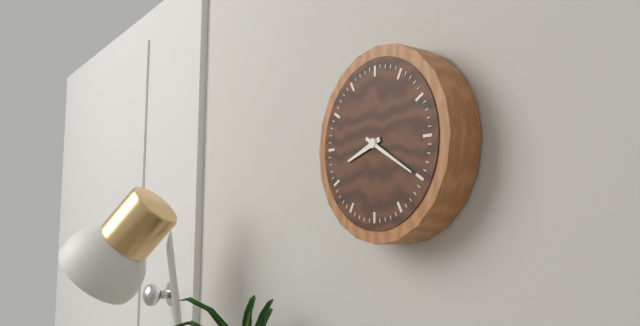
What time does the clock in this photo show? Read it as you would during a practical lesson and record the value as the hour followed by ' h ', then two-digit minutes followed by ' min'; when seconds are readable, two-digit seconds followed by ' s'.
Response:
8 h 20 min
